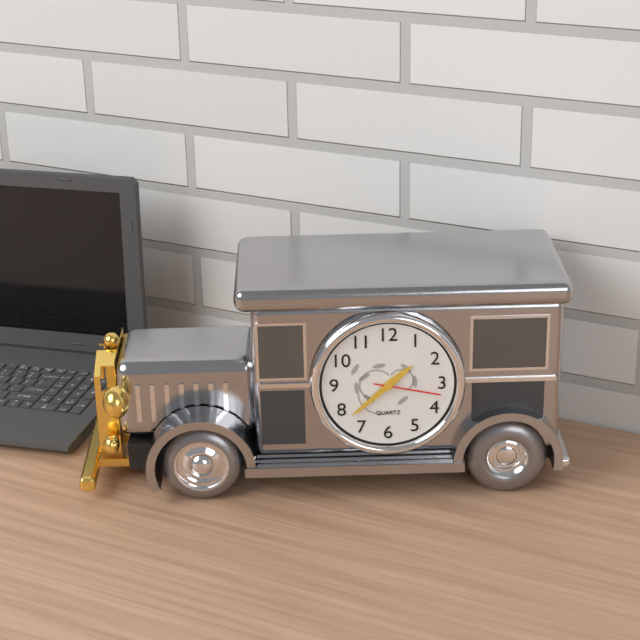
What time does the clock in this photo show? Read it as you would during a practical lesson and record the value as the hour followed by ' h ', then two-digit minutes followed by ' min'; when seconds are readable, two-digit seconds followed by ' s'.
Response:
1 h 38 min 17 s
